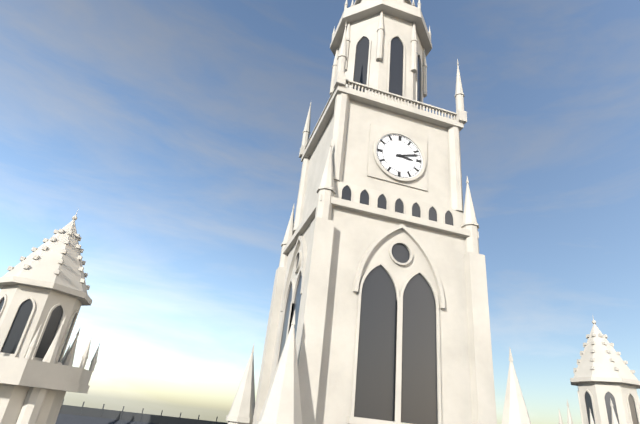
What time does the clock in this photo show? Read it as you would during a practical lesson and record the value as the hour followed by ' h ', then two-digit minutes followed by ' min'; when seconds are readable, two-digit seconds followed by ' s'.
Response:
3 h 12 min
